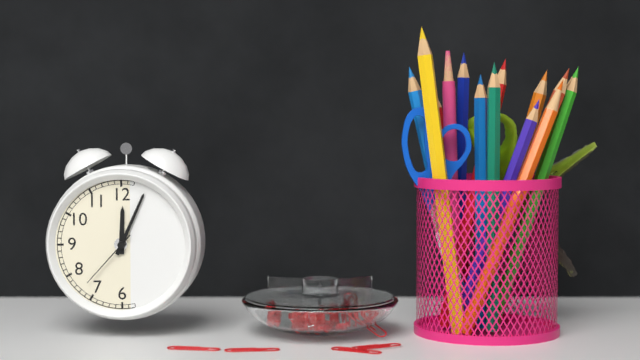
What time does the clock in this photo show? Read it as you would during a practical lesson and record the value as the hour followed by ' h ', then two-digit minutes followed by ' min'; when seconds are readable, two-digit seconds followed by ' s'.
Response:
12 h 04 min 37 s
